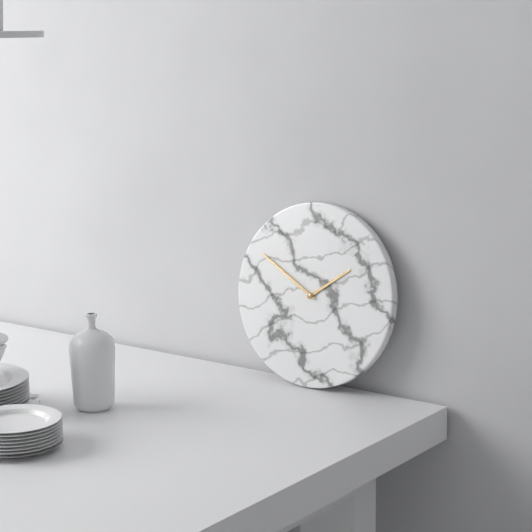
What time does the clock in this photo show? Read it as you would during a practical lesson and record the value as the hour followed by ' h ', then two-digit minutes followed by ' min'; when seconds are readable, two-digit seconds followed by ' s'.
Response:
1 h 50 min
